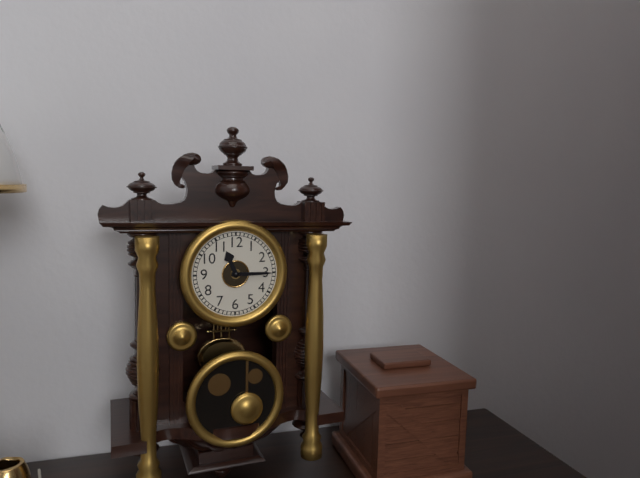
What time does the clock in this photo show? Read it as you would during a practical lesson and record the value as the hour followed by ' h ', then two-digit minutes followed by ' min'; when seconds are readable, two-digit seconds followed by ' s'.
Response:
11 h 15 min
